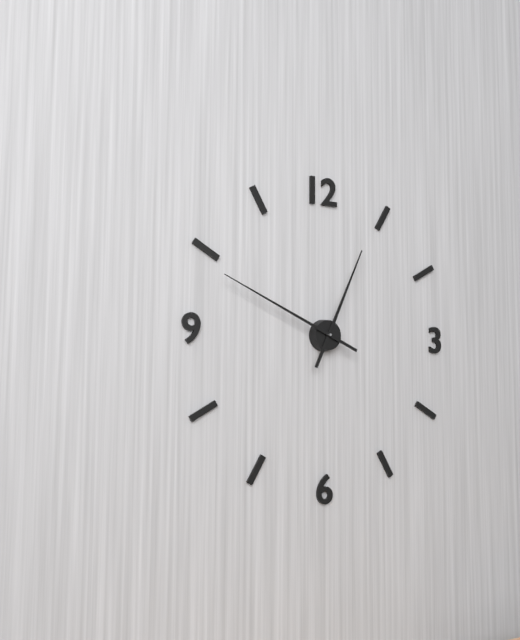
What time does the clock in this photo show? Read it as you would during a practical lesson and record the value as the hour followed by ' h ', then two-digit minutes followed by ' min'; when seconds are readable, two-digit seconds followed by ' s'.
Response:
12 h 49 min
